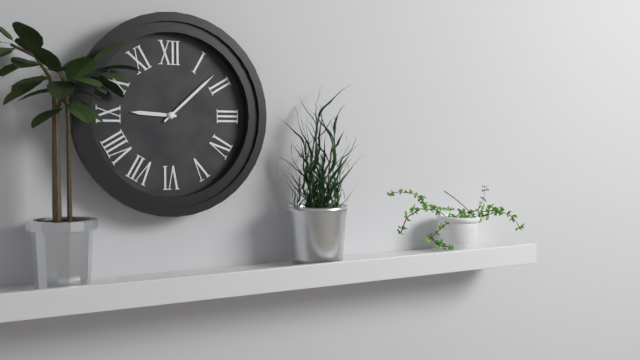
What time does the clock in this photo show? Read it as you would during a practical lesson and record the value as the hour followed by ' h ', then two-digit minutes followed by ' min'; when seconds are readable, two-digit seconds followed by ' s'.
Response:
9 h 08 min
